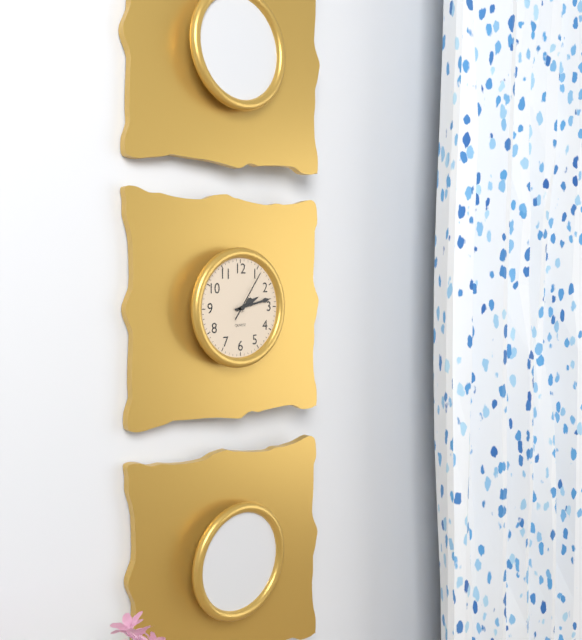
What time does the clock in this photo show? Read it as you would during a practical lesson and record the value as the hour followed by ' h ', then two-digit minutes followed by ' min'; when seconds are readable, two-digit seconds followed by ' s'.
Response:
2 h 13 min 06 s
